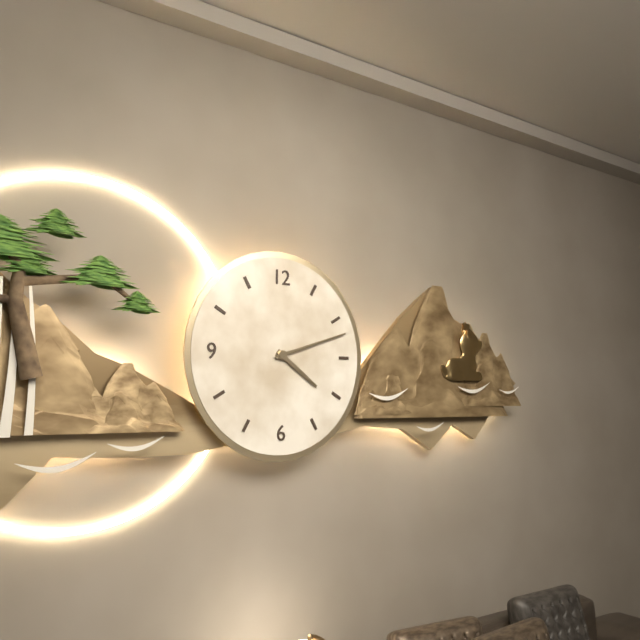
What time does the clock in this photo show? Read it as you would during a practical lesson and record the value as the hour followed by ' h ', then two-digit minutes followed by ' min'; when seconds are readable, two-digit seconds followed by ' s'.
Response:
4 h 12 min
